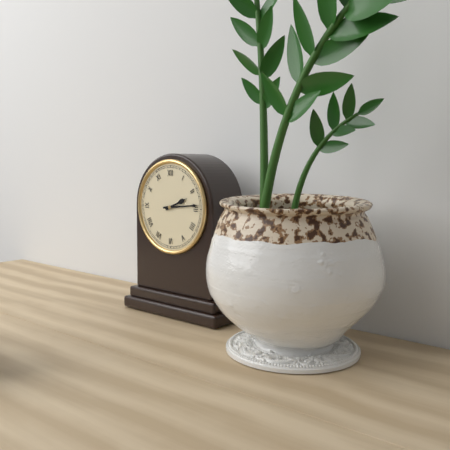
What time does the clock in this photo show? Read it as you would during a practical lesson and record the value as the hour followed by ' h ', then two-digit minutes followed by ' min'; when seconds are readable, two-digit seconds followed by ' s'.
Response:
2 h 14 min
